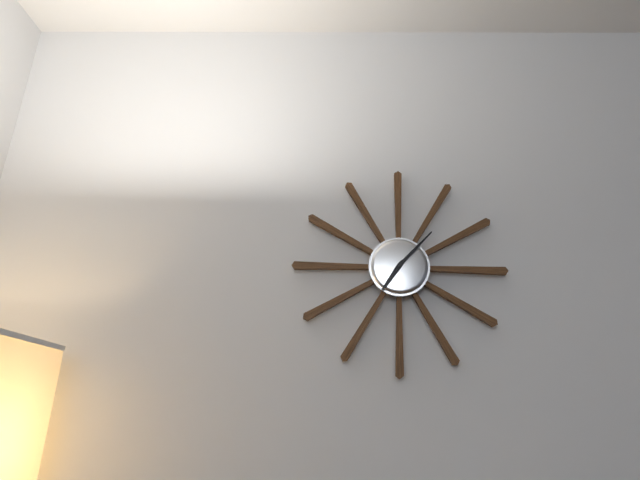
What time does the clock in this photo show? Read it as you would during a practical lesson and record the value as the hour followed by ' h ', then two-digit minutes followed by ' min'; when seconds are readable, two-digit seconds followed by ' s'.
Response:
7 h 07 min
